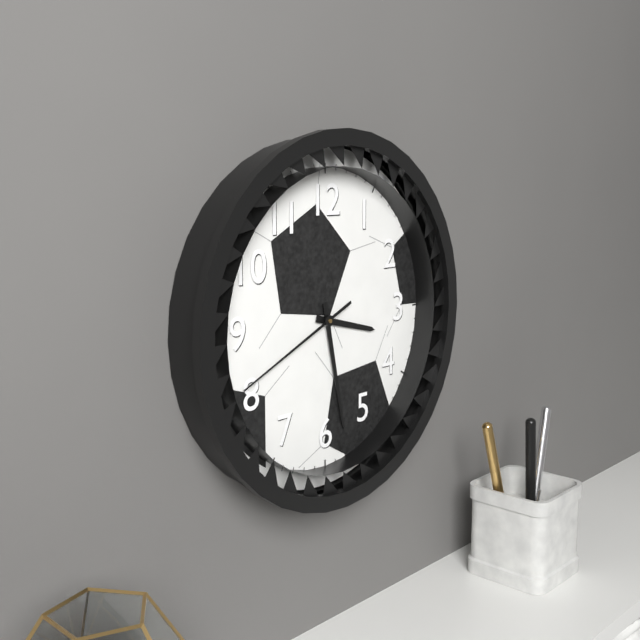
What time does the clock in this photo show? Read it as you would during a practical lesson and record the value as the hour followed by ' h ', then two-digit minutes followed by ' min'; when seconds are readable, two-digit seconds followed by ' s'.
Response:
3 h 28 min 41 s
